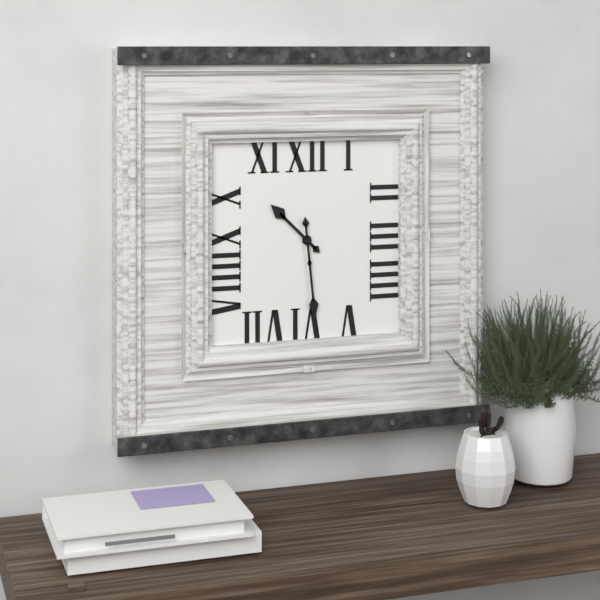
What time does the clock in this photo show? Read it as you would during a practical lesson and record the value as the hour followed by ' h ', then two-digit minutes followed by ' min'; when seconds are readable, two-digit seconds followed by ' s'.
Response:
10 h 29 min
